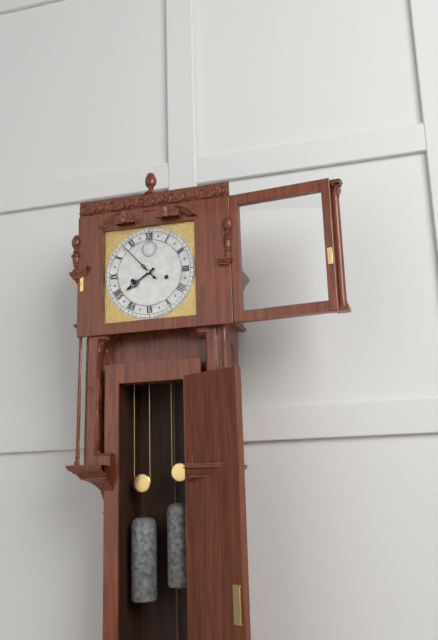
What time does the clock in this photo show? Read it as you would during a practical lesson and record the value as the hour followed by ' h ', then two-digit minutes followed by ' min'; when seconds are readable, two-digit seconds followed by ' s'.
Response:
7 h 53 min
